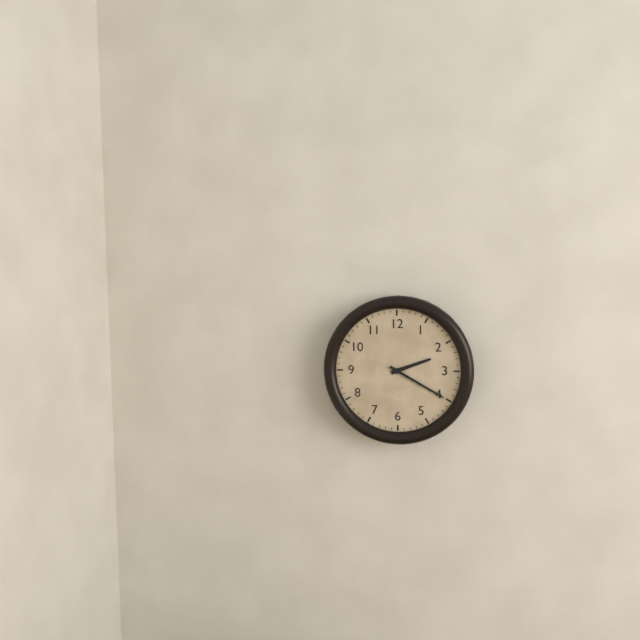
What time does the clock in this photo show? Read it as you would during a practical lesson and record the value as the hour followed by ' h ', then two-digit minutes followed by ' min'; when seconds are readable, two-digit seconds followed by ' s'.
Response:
2 h 20 min
